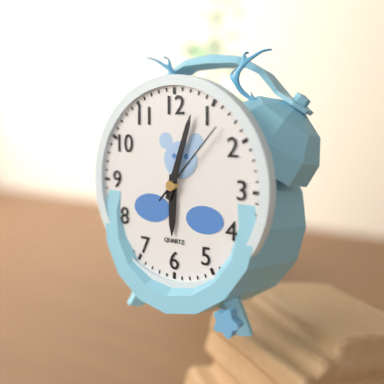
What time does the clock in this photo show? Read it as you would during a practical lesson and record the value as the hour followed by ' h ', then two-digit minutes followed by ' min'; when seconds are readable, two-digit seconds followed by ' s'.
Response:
6 h 03 min 07 s
